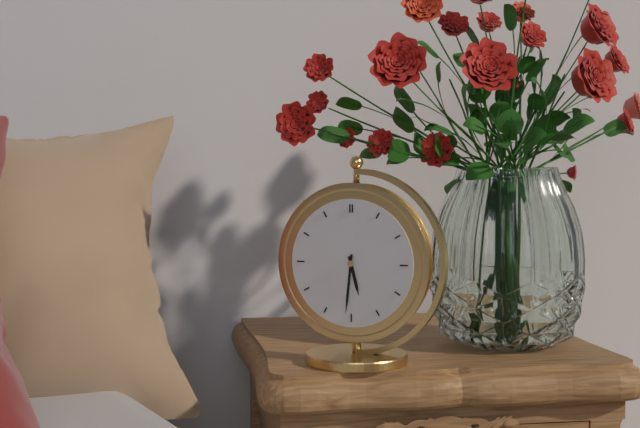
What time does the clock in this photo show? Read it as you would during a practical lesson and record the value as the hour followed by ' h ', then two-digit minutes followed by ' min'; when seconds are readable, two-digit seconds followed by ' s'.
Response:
5 h 31 min
